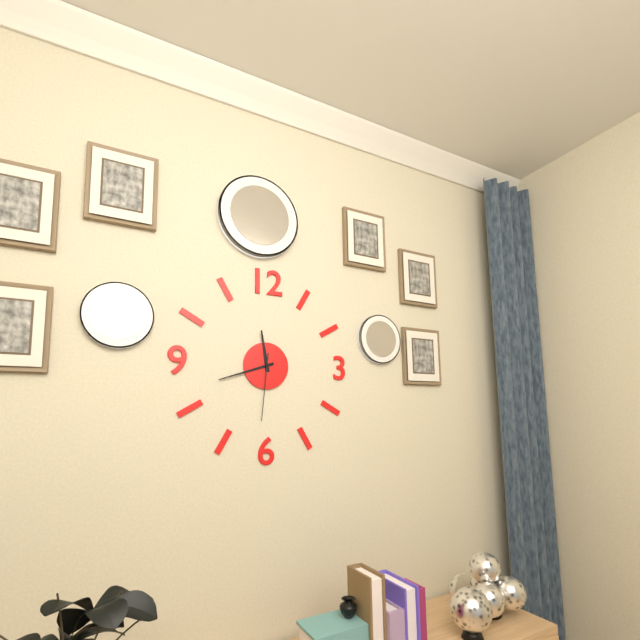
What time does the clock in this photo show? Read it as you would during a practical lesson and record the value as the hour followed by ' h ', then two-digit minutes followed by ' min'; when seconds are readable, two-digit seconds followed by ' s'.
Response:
11 h 42 min 31 s
